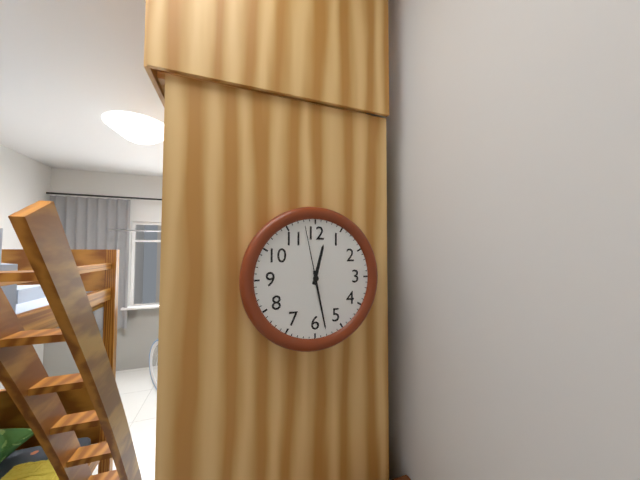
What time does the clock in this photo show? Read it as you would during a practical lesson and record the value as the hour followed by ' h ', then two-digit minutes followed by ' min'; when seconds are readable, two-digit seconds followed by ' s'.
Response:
12 h 28 min 58 s
